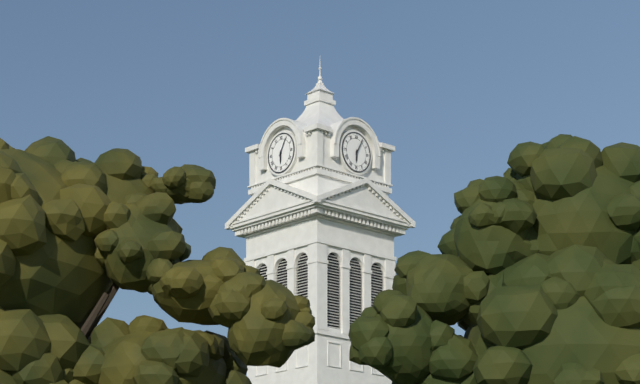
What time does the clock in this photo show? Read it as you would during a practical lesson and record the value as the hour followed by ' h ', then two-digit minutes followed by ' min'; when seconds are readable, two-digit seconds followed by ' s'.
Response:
6 h 05 min
